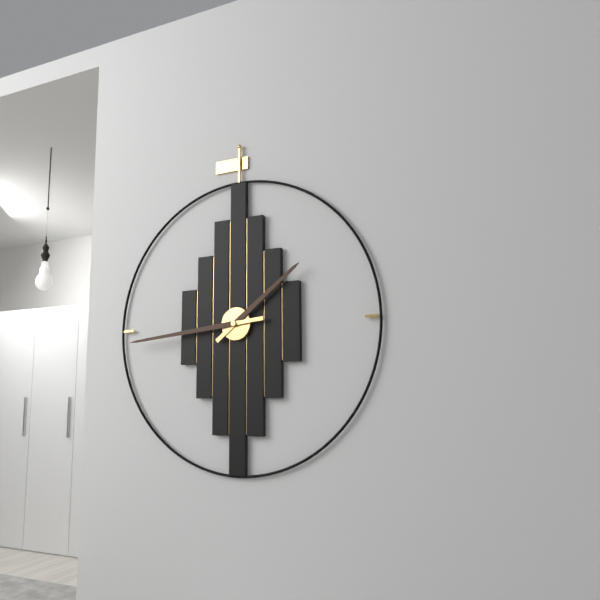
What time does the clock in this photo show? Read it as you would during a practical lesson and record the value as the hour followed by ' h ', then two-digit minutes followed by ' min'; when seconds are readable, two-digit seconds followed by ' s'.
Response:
1 h 44 min
